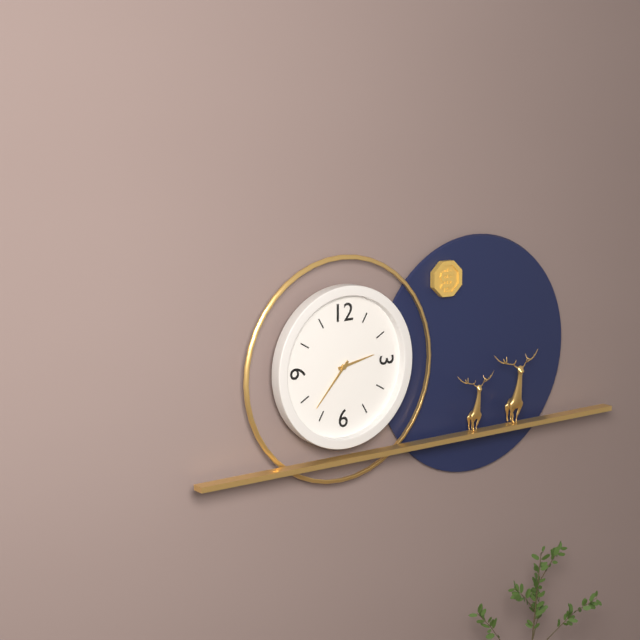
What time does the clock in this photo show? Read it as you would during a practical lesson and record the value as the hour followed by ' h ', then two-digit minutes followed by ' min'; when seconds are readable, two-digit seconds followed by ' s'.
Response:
2 h 37 min
